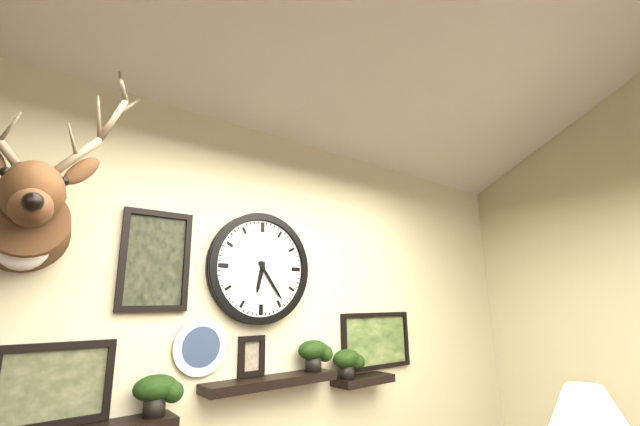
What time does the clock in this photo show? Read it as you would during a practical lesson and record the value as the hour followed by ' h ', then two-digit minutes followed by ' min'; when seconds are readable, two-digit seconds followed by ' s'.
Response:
6 h 24 min
